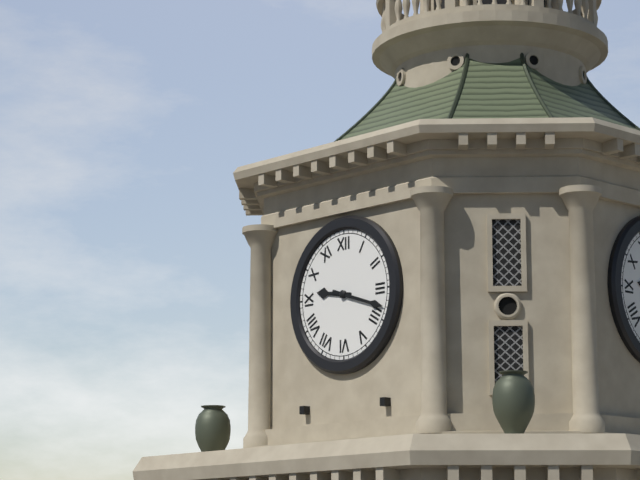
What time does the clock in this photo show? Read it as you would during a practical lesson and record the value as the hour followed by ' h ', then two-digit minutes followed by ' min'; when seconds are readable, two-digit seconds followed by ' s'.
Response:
9 h 18 min
